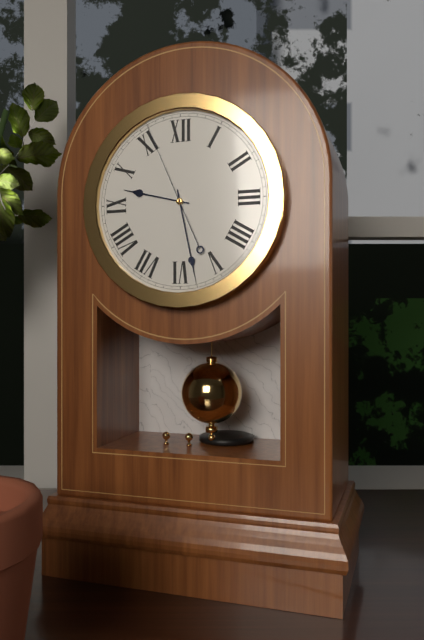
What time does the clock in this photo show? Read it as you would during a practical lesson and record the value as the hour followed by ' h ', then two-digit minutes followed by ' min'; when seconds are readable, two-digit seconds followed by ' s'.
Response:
9 h 28 min 56 s
